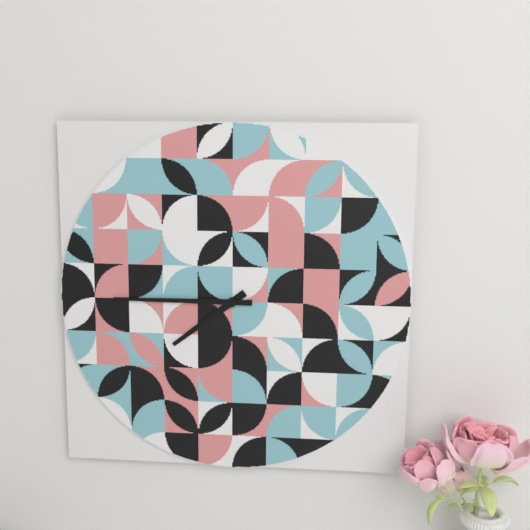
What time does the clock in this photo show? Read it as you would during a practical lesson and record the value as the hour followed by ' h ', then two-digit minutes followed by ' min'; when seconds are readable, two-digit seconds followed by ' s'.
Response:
7 h 45 min
